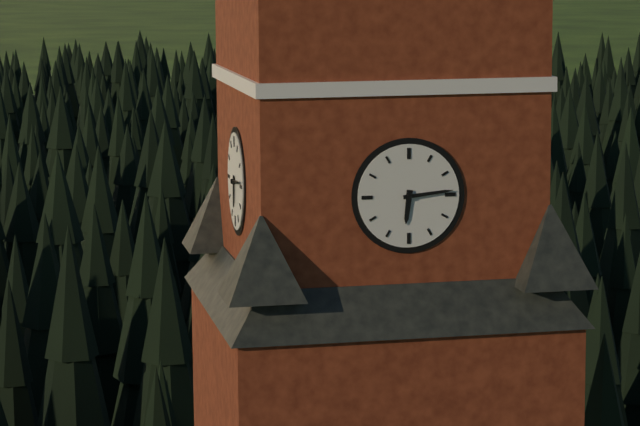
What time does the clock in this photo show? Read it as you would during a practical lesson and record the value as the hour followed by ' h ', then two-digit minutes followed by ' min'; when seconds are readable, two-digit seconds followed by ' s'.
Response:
6 h 14 min
